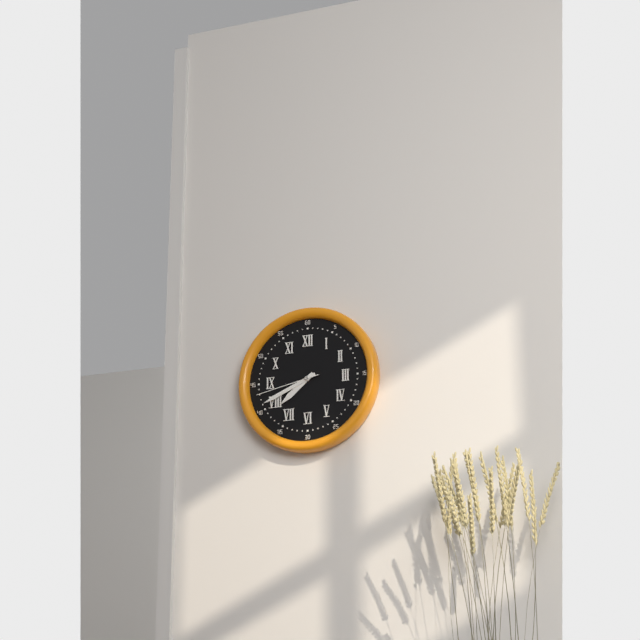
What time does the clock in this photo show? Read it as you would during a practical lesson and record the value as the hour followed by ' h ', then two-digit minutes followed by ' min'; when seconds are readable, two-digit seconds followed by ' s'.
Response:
7 h 41 min 43 s
